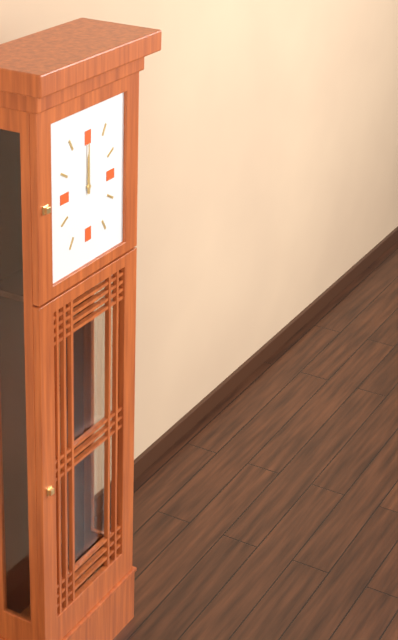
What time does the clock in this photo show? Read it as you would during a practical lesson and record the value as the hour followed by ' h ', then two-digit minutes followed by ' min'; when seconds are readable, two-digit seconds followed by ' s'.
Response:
12 h 00 min
